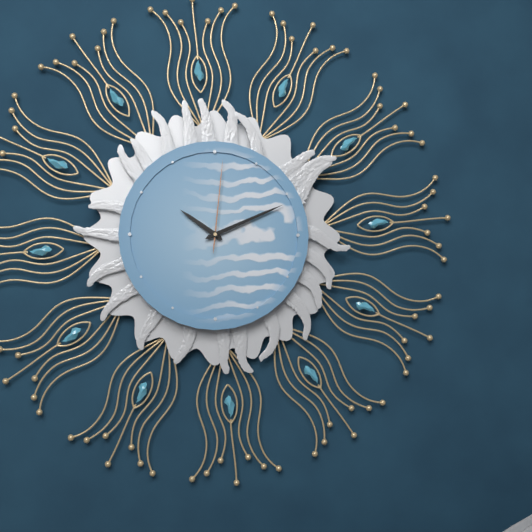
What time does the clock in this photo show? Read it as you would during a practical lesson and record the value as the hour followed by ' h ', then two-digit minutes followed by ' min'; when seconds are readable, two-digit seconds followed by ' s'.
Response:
10 h 11 min 01 s
